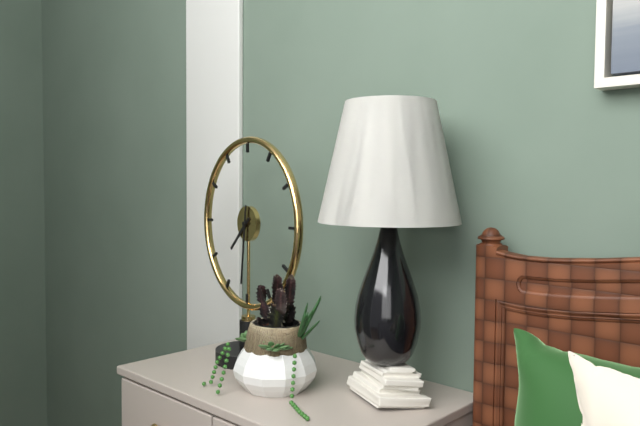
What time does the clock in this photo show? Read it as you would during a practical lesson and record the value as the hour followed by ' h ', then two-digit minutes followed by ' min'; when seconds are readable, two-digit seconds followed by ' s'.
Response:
7 h 31 min
